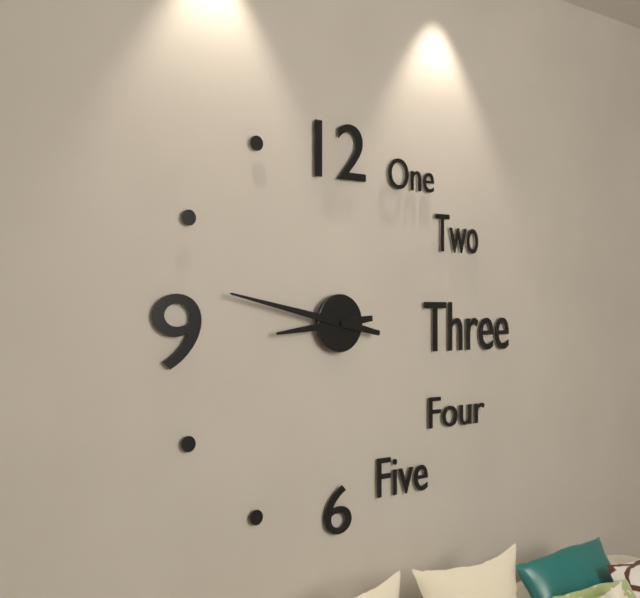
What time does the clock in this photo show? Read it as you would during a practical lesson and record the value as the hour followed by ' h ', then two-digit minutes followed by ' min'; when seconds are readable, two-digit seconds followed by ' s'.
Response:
8 h 47 min
